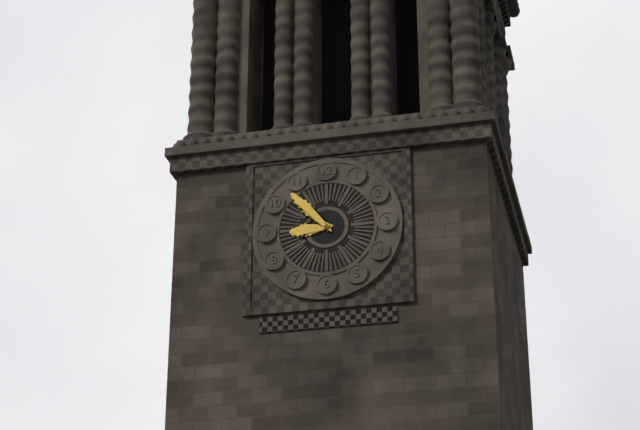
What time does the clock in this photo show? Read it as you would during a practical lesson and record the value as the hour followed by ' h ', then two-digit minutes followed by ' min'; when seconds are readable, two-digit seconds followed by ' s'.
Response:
8 h 53 min
